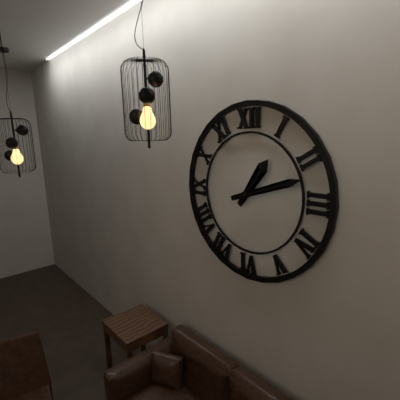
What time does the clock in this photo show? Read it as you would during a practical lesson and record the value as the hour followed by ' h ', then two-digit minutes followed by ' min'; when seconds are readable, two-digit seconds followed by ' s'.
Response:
1 h 12 min
